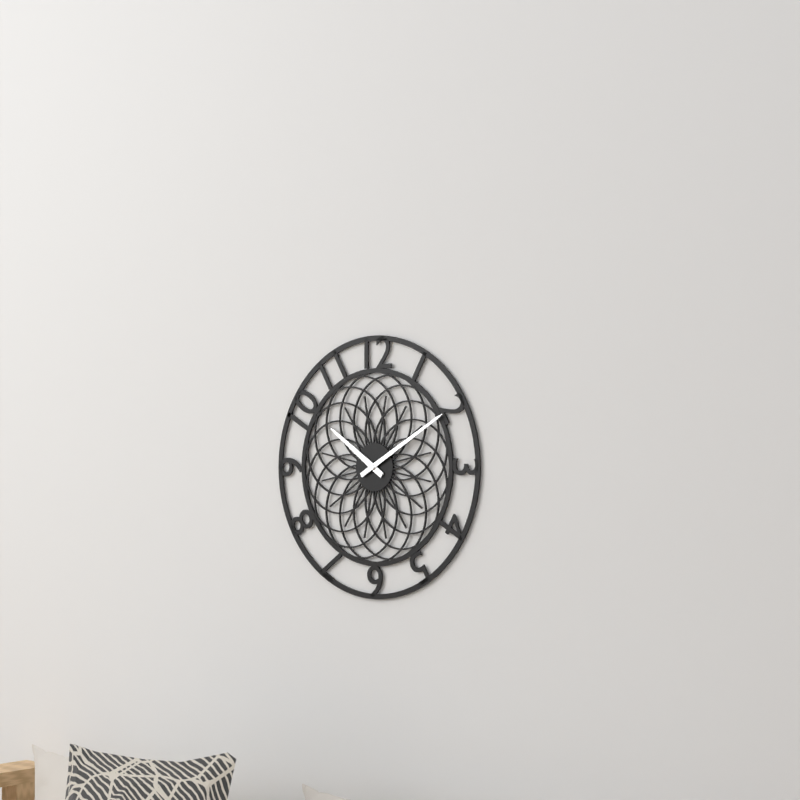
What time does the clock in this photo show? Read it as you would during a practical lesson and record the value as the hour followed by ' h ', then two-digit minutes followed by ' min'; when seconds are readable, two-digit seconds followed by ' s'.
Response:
10 h 10 min
